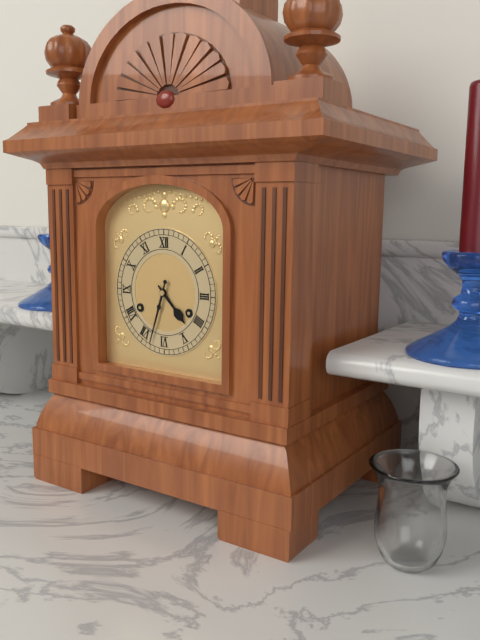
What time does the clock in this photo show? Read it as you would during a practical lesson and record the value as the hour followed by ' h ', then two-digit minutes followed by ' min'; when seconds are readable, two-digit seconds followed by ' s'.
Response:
4 h 33 min
